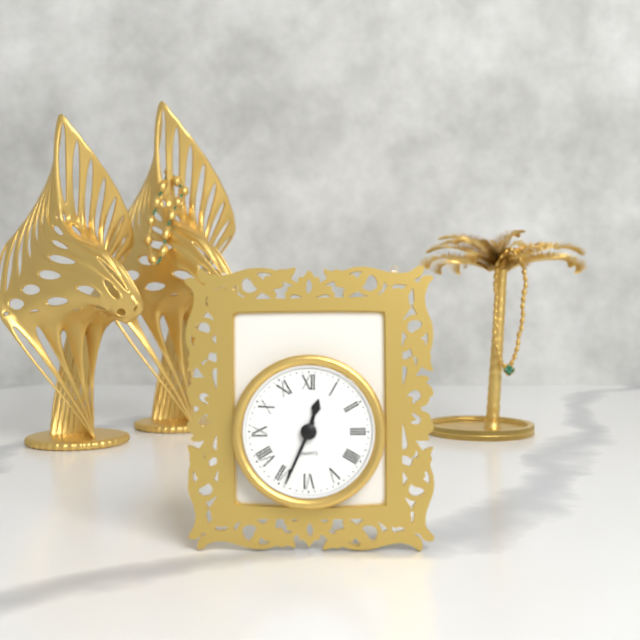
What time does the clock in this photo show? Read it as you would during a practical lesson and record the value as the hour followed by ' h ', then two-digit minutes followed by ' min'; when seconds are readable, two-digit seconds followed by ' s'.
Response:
12 h 34 min
